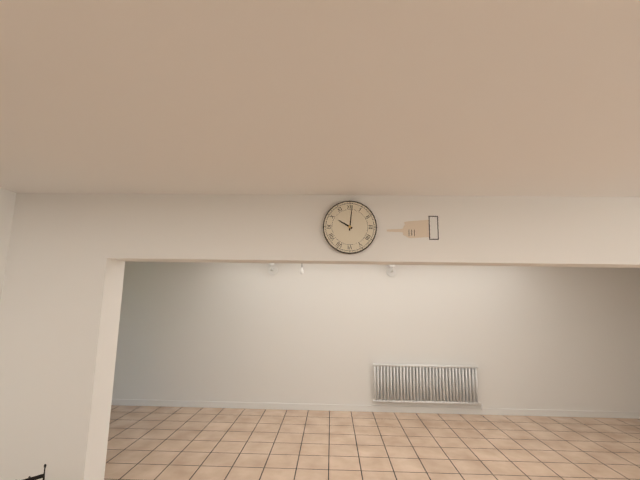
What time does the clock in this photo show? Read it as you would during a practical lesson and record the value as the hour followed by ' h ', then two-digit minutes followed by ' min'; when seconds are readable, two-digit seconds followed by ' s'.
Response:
10 h 01 min
